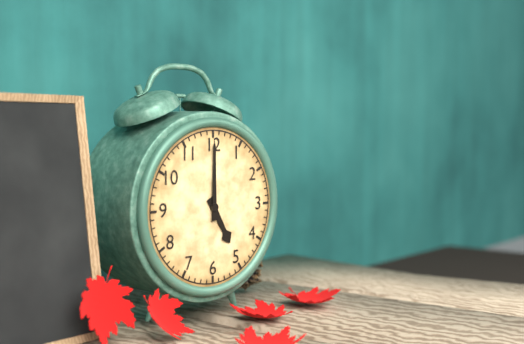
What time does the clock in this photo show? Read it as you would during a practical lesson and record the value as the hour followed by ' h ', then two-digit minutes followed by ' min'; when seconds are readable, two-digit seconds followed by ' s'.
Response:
5 h 00 min
